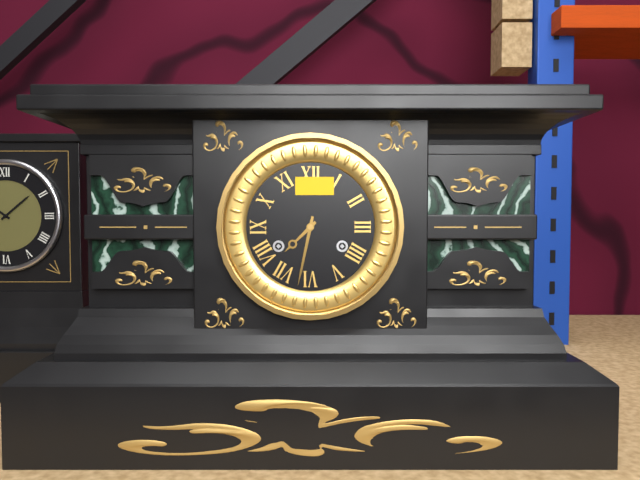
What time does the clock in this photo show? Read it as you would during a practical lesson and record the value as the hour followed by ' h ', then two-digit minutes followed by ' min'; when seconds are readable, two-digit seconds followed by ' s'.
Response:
7 h 32 min
